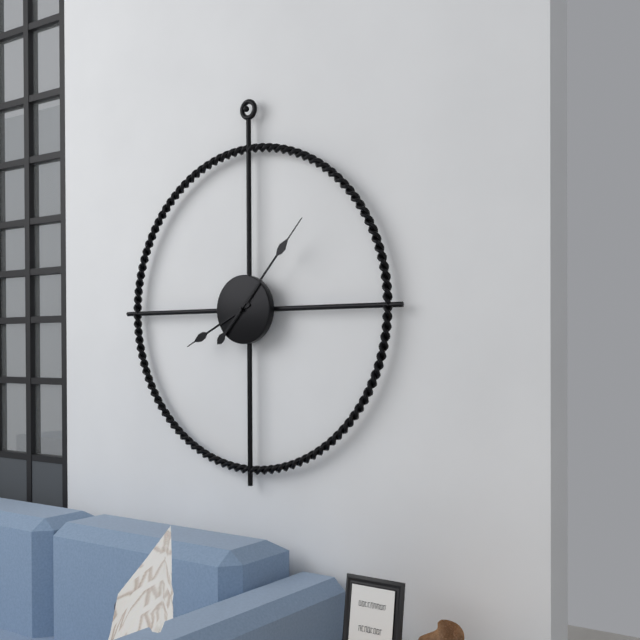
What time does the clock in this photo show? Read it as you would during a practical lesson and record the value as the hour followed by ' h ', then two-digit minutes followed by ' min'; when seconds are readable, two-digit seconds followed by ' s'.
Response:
8 h 07 min
